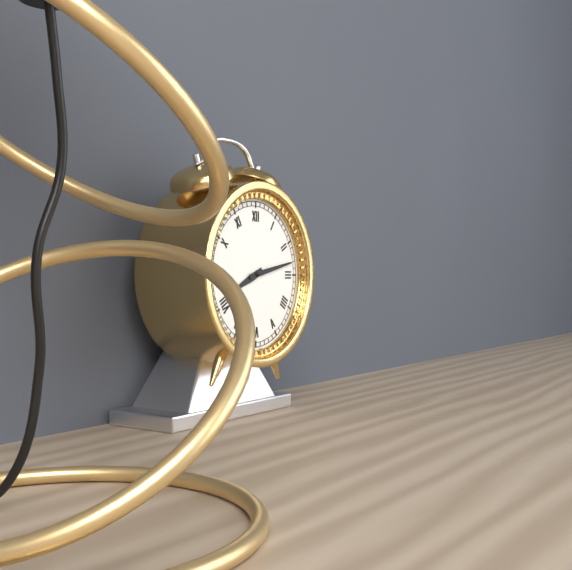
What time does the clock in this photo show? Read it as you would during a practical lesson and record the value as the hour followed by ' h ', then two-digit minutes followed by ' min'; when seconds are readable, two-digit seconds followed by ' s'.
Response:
8 h 13 min
